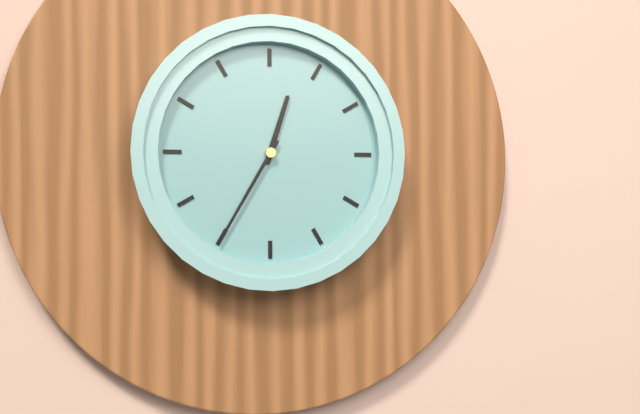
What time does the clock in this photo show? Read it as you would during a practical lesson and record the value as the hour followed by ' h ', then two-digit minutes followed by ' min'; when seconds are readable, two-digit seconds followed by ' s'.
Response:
12 h 35 min
